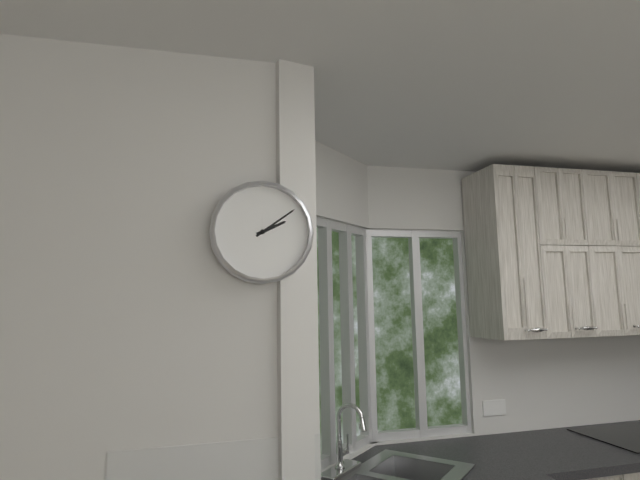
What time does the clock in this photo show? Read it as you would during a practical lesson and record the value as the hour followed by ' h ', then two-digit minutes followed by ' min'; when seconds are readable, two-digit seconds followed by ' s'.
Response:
2 h 09 min
